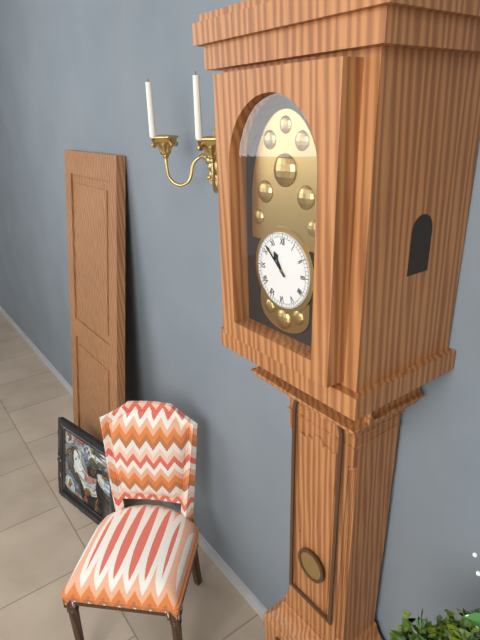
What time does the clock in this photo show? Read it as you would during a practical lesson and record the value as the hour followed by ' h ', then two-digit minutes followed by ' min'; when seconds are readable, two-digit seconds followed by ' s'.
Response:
10 h 52 min
